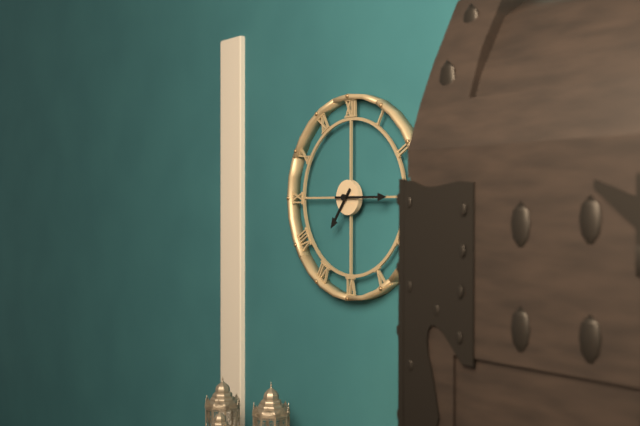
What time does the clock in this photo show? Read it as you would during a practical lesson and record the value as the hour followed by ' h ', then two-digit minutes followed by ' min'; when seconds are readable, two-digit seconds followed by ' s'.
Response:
7 h 15 min
